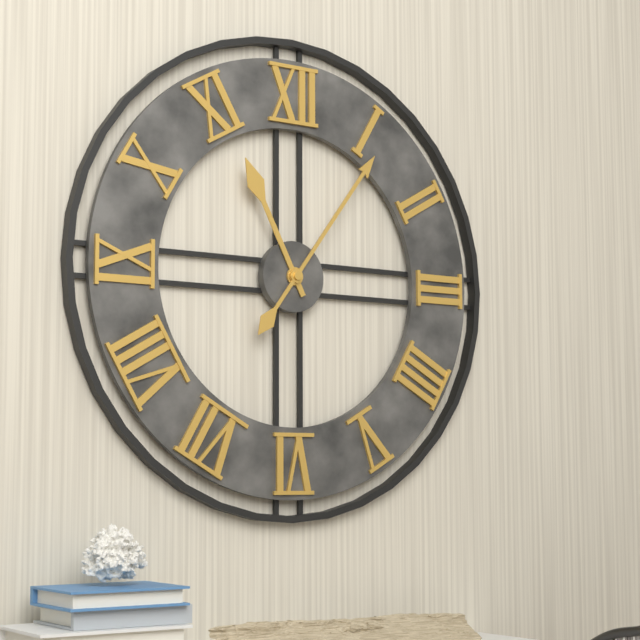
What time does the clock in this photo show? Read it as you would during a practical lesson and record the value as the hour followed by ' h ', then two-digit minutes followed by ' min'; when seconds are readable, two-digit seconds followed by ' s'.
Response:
11 h 06 min
